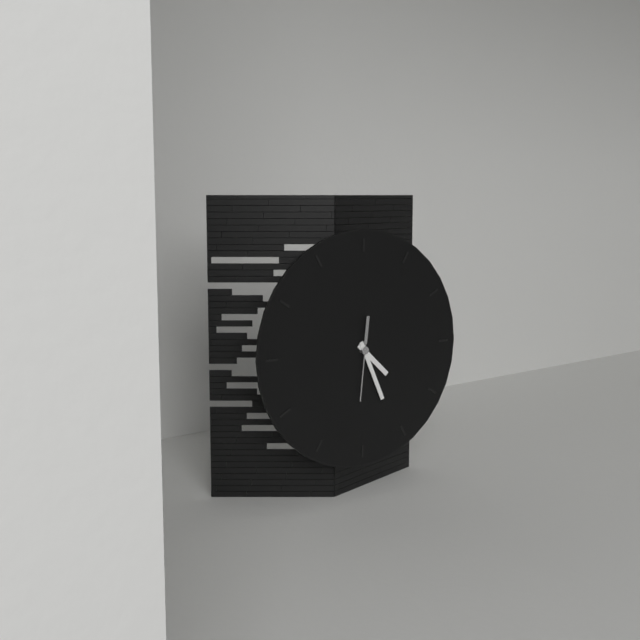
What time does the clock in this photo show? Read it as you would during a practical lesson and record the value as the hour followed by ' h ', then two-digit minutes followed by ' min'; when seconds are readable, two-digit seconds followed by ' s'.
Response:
4 h 26 min 31 s
